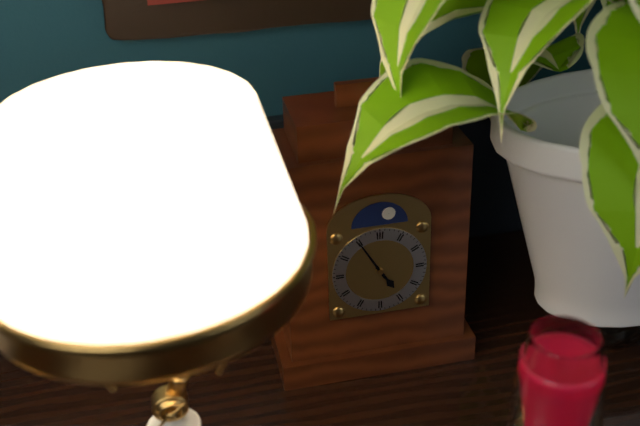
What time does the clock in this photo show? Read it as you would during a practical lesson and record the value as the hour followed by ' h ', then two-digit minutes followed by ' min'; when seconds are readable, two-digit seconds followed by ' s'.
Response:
4 h 55 min
